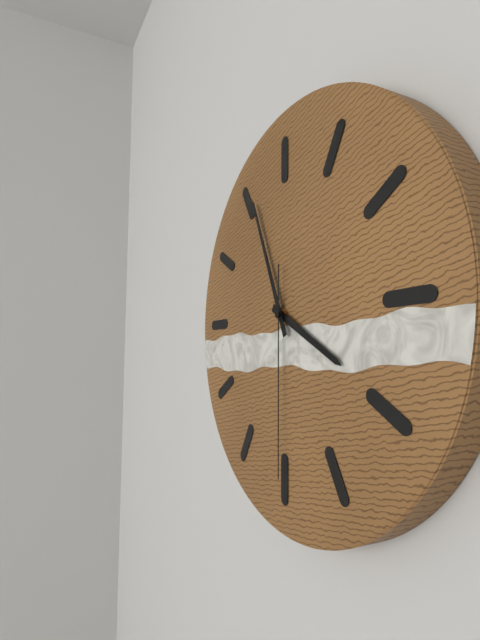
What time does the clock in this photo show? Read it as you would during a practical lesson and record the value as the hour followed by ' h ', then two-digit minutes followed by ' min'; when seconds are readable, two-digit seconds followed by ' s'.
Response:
3 h 56 min 30 s
